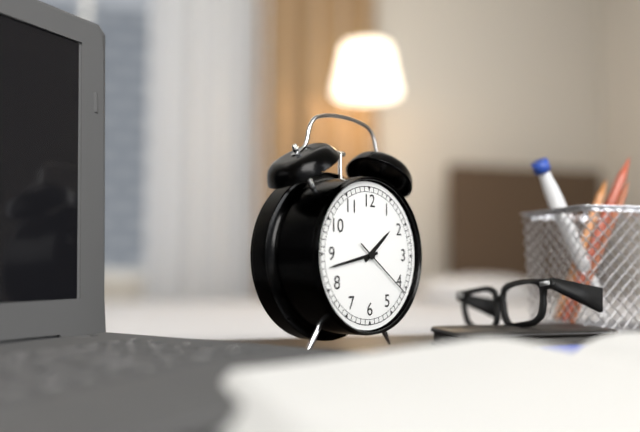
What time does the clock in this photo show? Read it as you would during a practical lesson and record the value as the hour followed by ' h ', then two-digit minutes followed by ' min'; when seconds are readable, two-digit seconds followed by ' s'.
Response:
1 h 43 min 21 s
